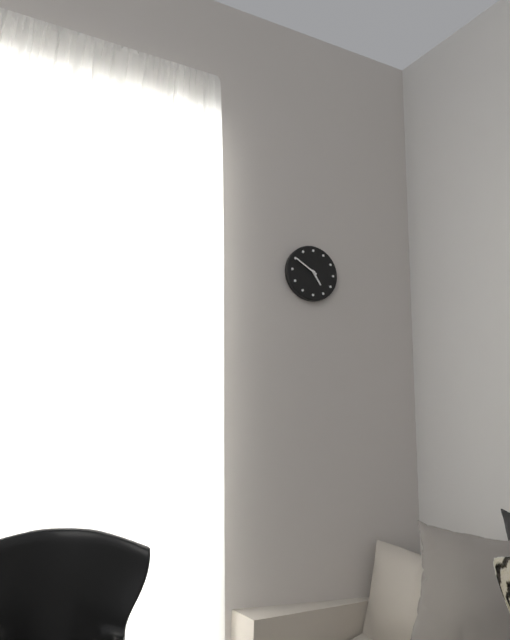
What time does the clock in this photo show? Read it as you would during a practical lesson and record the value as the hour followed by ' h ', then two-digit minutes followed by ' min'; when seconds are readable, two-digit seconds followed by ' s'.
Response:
4 h 50 min
